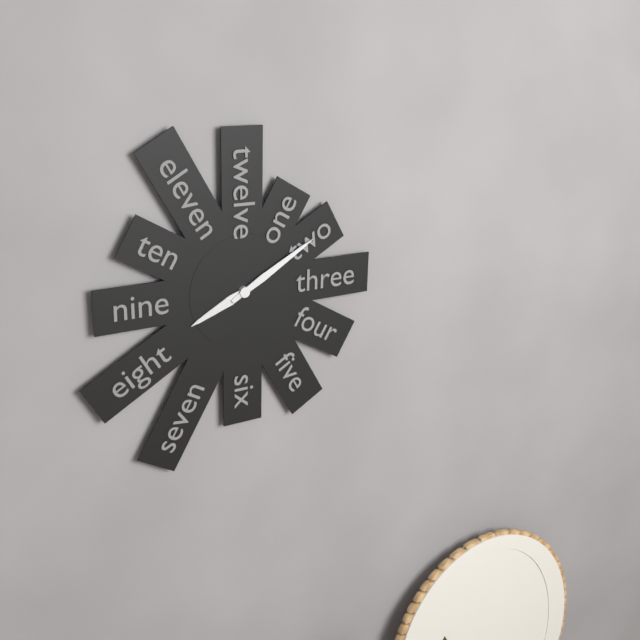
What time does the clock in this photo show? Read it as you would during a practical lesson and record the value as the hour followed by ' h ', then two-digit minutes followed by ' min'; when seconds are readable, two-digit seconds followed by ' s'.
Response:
8 h 10 min
